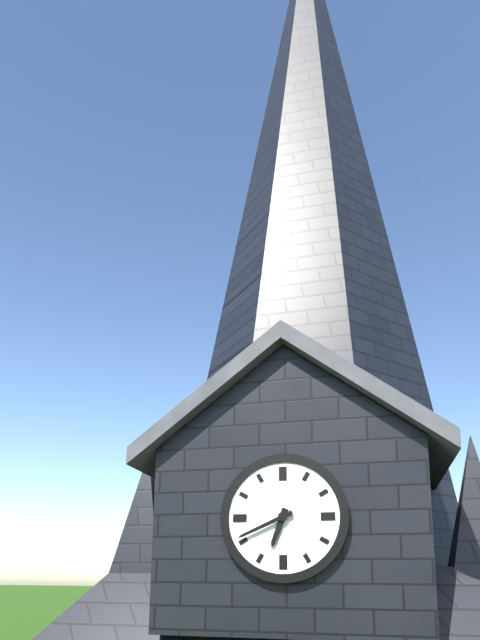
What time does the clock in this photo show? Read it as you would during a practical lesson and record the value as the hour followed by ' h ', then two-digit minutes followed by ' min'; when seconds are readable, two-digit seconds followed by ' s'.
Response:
6 h 41 min
